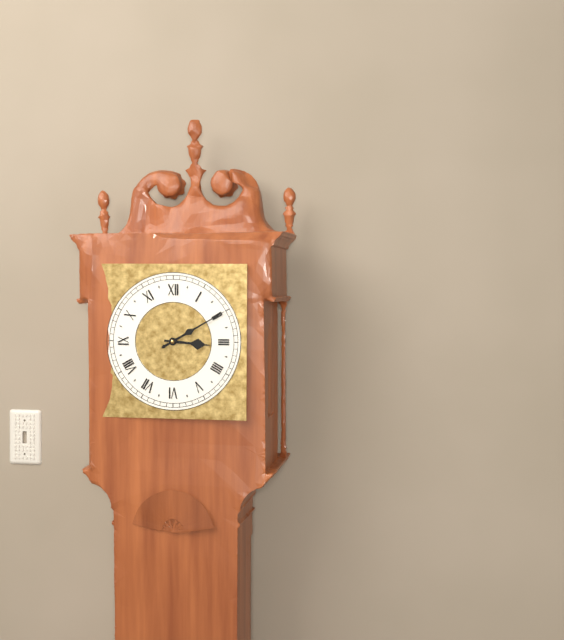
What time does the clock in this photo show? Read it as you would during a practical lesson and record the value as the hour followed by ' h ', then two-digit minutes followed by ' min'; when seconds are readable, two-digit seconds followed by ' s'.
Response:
3 h 10 min
